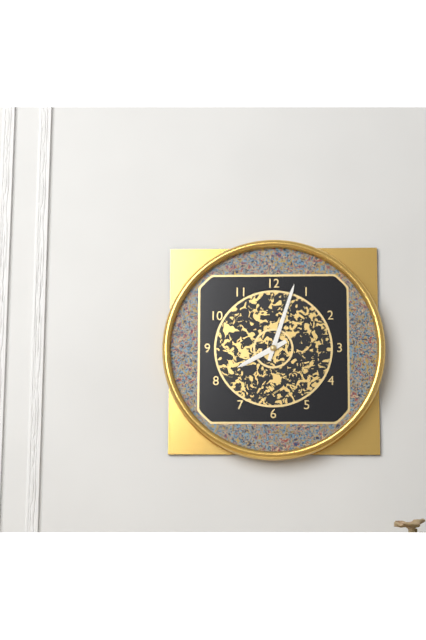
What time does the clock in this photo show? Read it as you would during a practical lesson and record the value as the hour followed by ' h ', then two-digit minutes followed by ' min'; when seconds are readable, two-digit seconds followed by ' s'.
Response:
8 h 03 min
